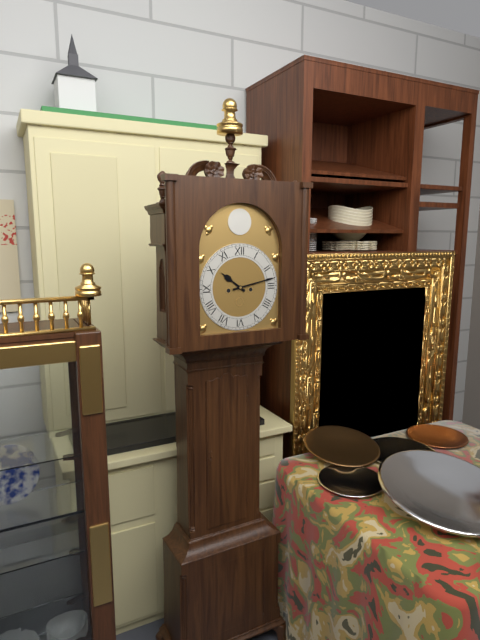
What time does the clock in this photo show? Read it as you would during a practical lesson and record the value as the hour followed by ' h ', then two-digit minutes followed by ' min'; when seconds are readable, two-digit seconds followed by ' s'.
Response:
10 h 13 min
